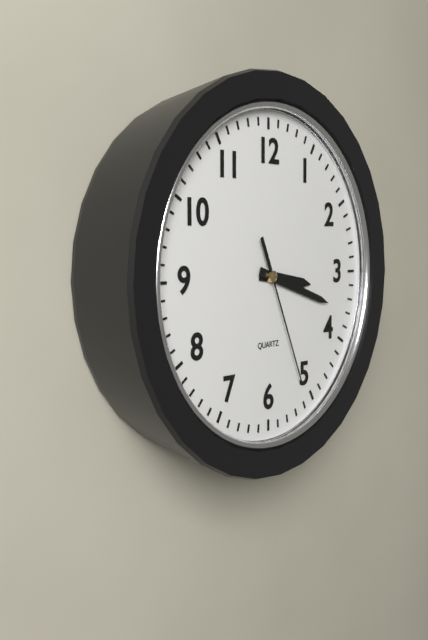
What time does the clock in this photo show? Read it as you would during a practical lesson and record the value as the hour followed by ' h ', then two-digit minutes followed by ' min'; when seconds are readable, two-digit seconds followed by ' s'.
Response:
3 h 18 min 26 s
